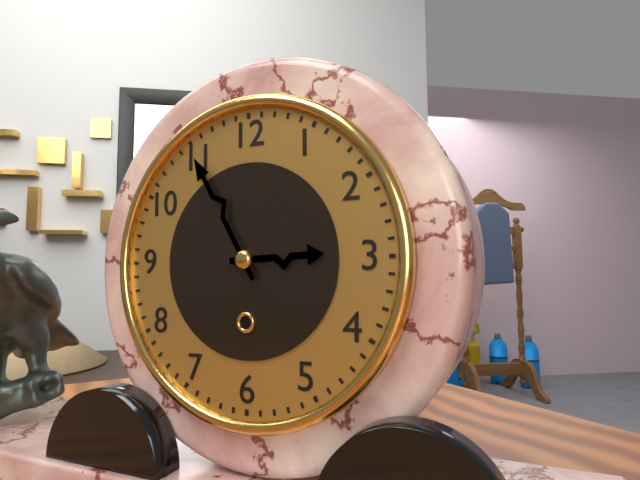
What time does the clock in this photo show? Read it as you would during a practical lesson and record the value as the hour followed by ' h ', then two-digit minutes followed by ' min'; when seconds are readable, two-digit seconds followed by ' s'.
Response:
2 h 55 min
